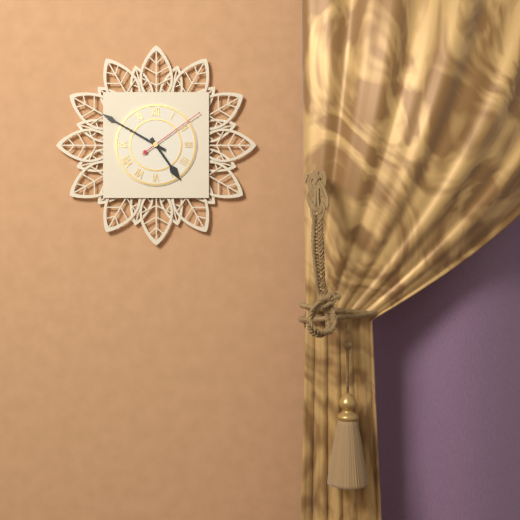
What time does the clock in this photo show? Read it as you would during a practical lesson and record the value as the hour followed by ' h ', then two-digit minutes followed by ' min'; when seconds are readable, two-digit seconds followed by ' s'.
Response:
4 h 50 min 09 s
